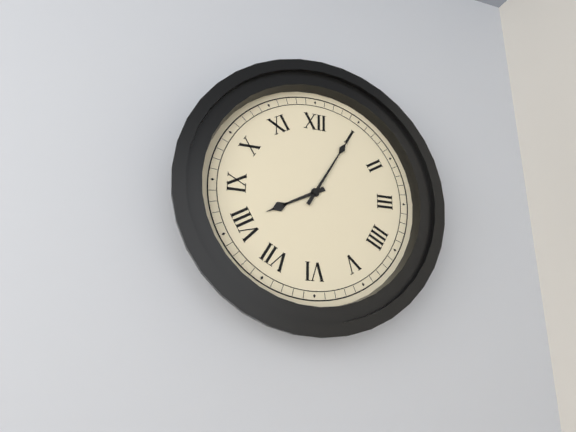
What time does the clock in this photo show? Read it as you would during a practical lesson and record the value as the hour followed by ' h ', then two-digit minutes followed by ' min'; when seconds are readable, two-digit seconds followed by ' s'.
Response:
8 h 05 min
